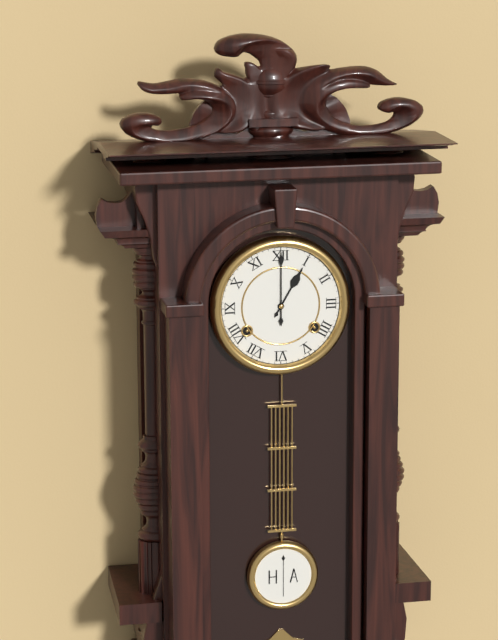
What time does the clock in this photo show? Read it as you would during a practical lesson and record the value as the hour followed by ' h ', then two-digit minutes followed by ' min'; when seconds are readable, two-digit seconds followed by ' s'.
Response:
1 h 00 min
